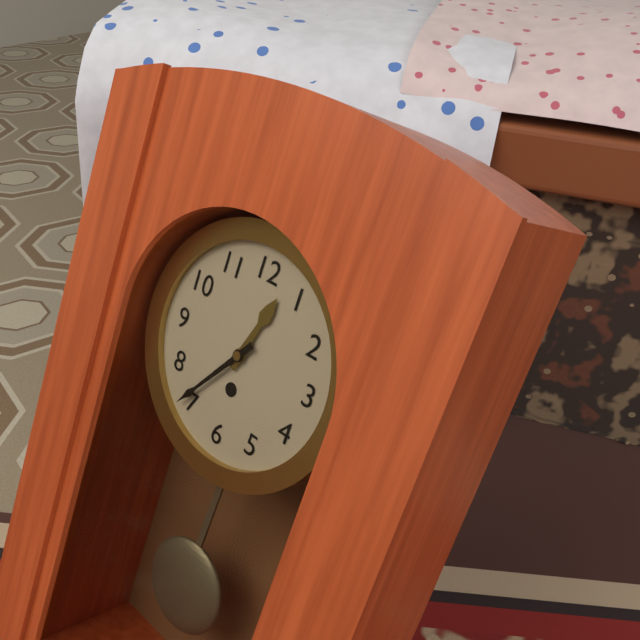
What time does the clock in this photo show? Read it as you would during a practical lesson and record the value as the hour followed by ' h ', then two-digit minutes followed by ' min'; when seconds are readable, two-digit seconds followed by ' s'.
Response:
12 h 36 min
